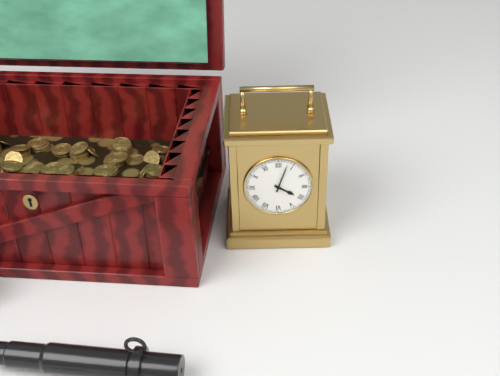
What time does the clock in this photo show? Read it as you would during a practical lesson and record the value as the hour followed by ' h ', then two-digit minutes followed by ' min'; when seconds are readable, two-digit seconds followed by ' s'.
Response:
4 h 03 min
